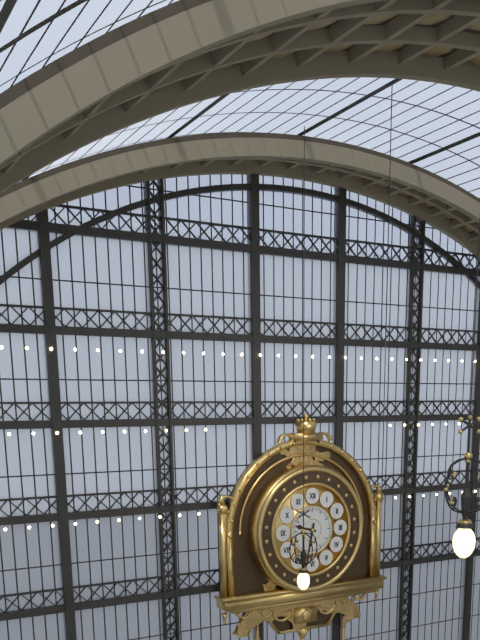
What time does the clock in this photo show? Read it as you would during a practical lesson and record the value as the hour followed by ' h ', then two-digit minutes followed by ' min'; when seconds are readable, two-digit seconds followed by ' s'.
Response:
9 h 32 min
